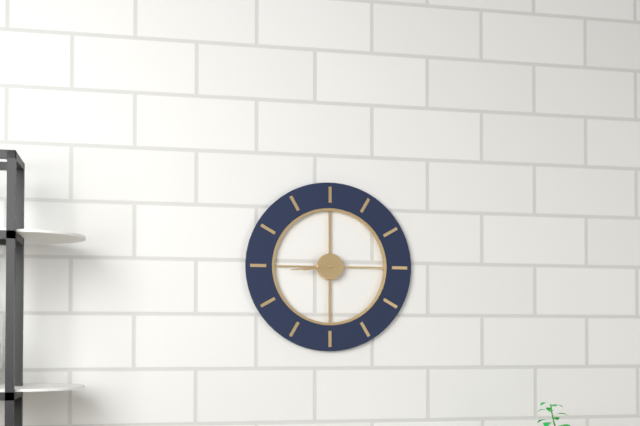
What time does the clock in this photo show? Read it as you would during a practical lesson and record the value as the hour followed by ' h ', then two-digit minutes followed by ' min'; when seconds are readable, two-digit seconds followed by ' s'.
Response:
8 h 44 min
